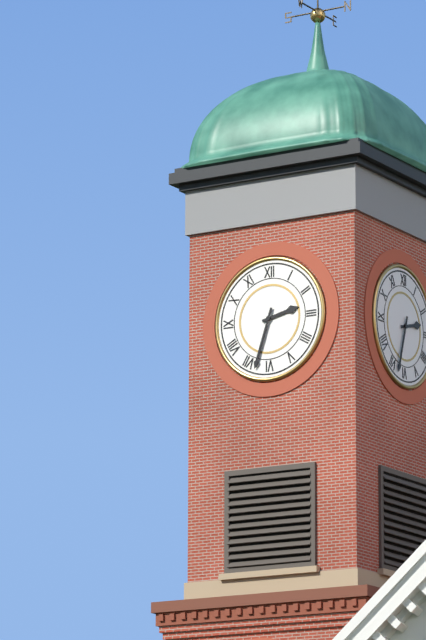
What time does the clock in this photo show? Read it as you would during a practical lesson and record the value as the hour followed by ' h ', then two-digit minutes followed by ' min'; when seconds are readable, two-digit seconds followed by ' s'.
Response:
2 h 33 min
